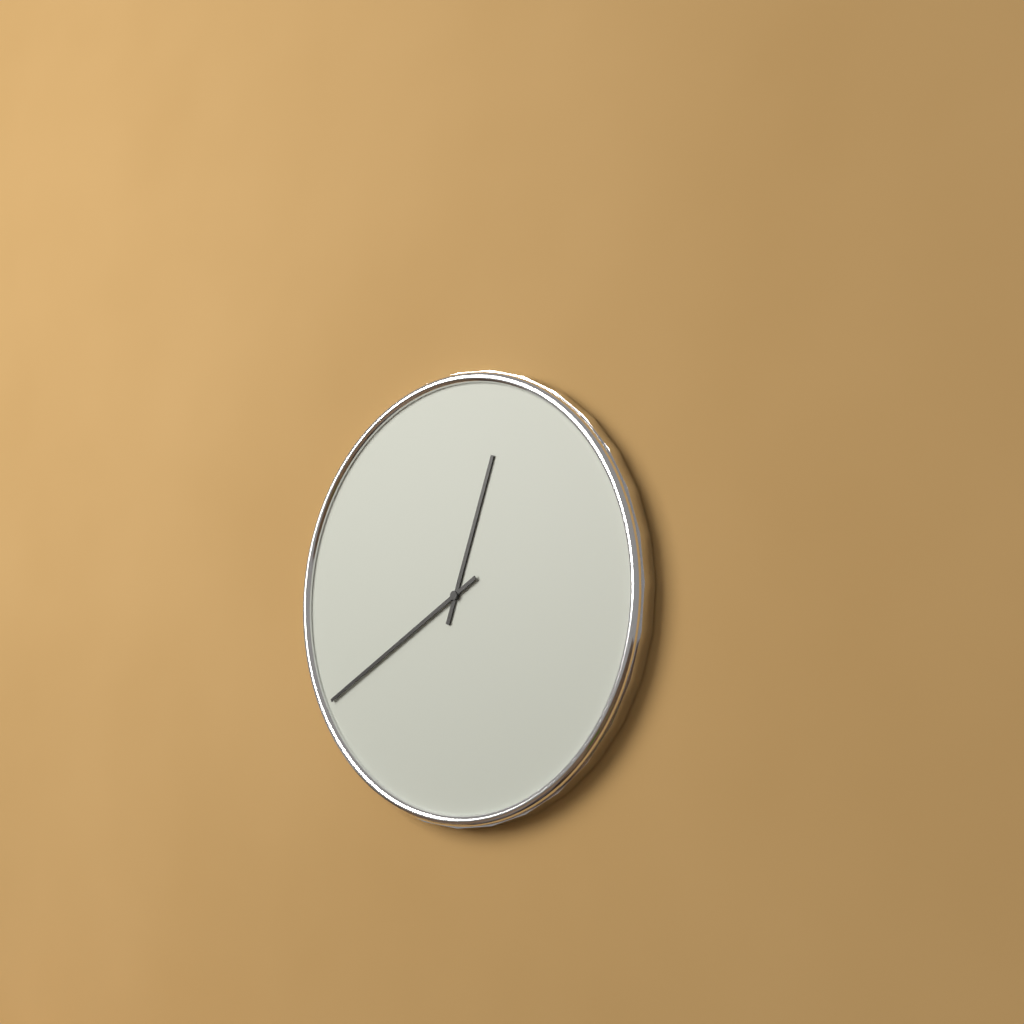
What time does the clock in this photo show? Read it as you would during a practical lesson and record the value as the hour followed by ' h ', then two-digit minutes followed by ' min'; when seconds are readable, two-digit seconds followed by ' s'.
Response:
12 h 40 min
